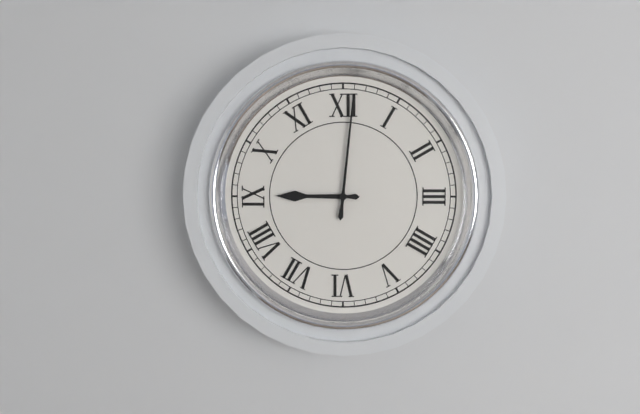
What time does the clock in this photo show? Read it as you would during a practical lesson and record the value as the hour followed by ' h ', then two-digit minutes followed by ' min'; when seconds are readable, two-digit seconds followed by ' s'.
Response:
9 h 01 min
